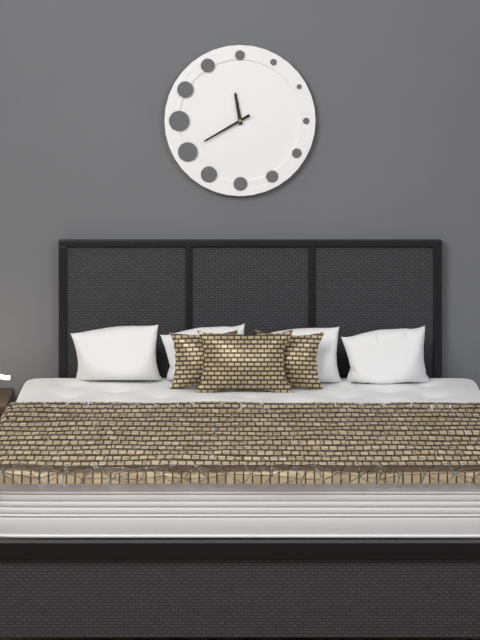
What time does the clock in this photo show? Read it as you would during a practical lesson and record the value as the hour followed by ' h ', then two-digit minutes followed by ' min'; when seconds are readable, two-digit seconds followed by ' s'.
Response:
11 h 40 min
